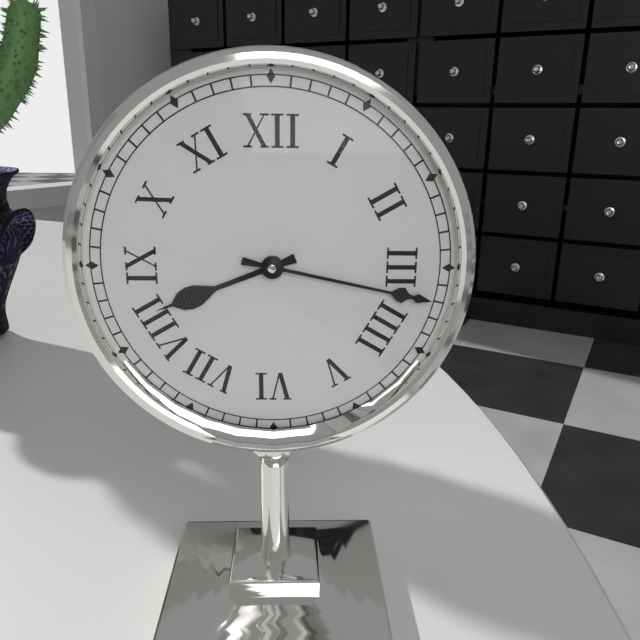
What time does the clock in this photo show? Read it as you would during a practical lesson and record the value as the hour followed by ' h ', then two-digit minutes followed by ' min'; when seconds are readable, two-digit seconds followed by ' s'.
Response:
8 h 17 min
